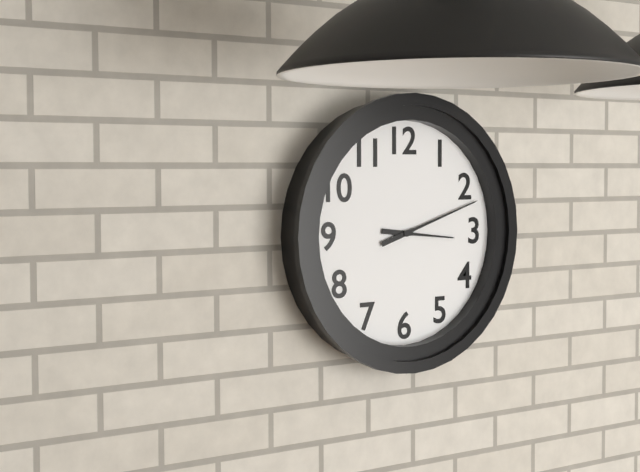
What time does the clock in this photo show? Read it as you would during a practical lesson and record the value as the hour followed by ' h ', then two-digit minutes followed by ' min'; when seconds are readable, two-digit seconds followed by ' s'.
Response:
3 h 12 min
